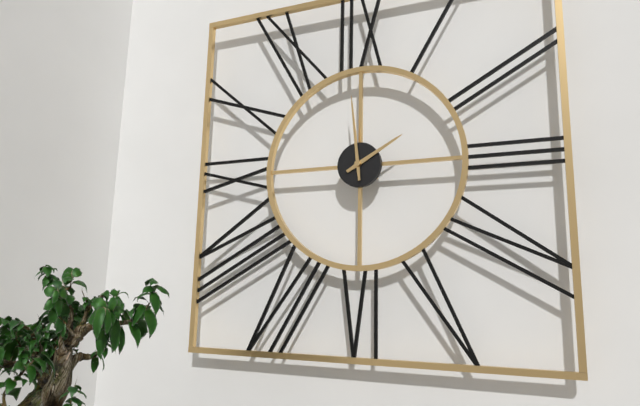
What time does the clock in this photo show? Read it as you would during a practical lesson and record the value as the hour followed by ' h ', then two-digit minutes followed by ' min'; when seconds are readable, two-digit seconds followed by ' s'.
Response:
1 h 59 min
